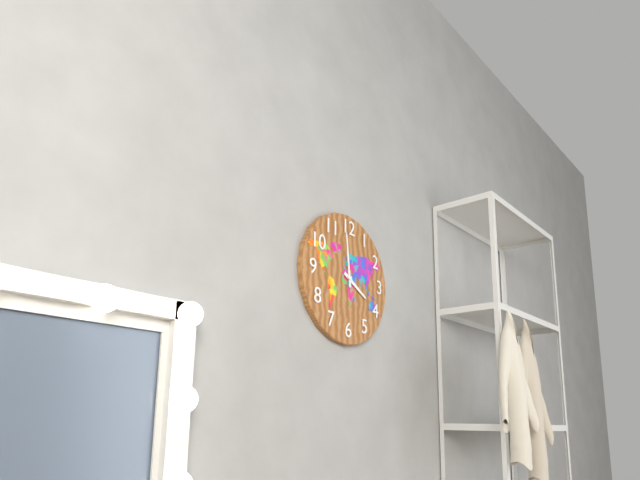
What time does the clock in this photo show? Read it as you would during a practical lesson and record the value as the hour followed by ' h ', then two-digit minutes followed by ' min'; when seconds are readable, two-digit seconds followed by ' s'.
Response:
3 h 59 min
